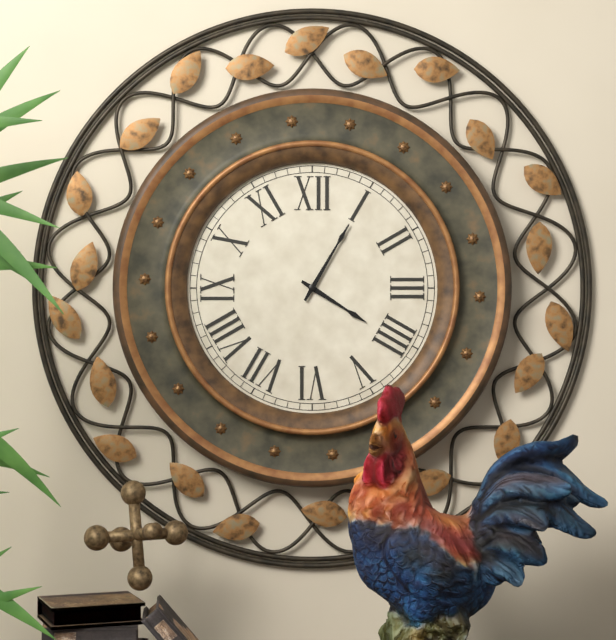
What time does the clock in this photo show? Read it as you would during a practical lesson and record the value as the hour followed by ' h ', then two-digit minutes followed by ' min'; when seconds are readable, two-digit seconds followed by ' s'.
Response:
4 h 05 min
